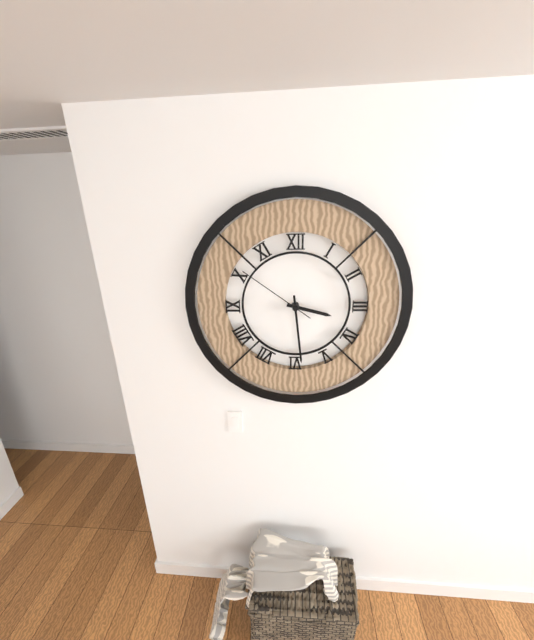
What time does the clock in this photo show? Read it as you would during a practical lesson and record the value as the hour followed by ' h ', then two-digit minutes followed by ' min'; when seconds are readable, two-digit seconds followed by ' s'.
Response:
3 h 29 min 51 s
